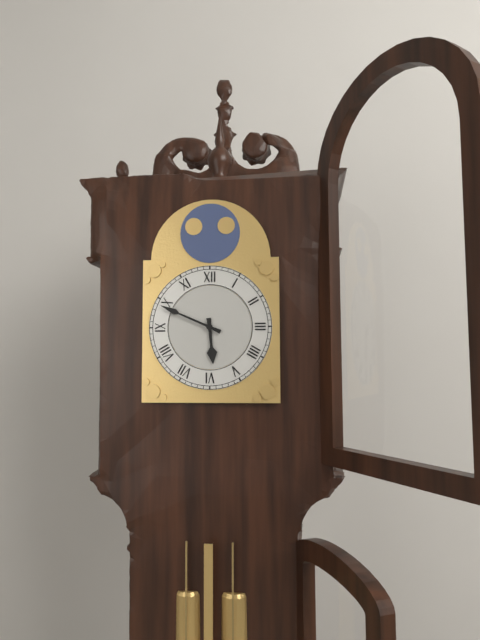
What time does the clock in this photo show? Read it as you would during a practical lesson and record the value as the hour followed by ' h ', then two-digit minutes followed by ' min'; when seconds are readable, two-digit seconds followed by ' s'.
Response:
5 h 49 min
